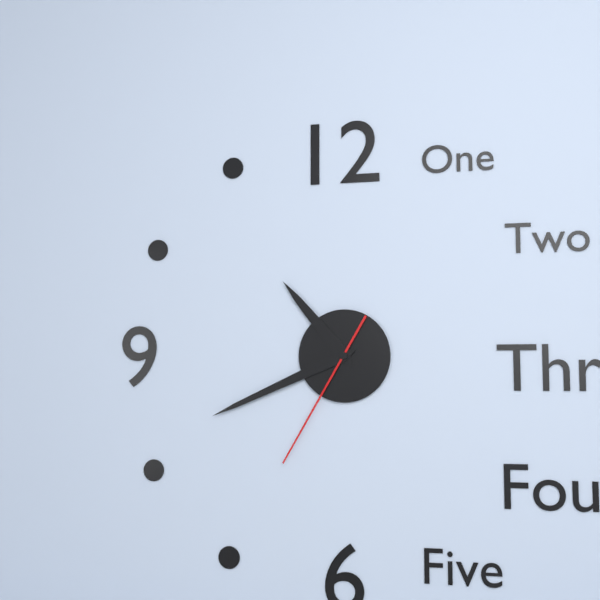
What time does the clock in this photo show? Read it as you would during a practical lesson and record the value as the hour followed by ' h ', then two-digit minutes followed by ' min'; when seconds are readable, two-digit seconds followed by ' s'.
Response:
10 h 41 min 35 s
